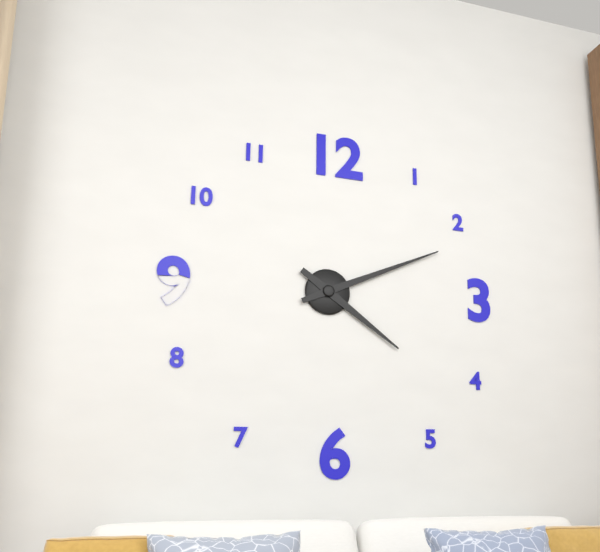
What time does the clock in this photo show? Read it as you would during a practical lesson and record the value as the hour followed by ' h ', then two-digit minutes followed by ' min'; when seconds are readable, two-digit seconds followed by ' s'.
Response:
4 h 11 min
